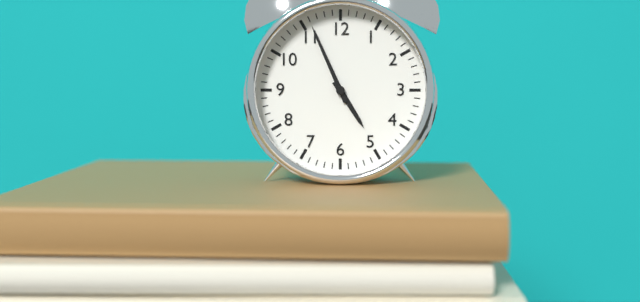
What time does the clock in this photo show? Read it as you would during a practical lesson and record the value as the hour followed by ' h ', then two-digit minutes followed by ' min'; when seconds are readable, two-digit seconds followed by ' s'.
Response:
4 h 56 min
